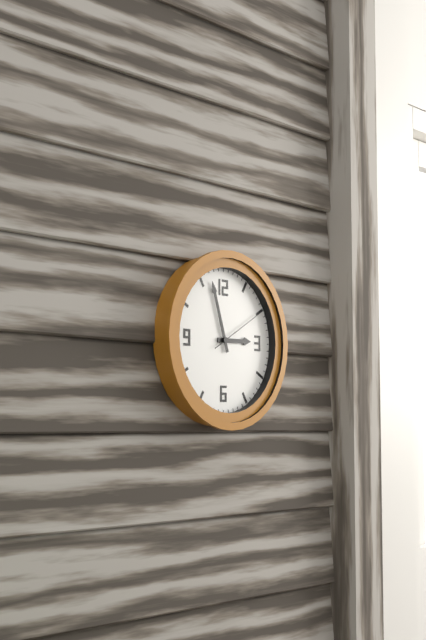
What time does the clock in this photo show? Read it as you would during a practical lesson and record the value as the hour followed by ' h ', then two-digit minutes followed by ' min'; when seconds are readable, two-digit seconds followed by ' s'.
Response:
2 h 57 min 10 s
